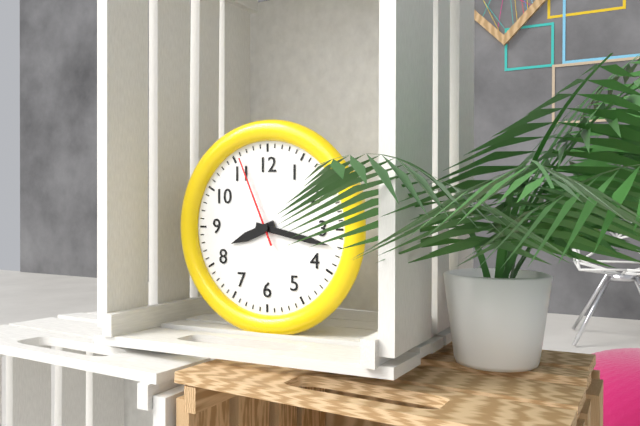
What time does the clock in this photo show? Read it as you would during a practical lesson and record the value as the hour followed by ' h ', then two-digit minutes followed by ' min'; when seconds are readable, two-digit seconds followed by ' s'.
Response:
8 h 17 min 56 s
